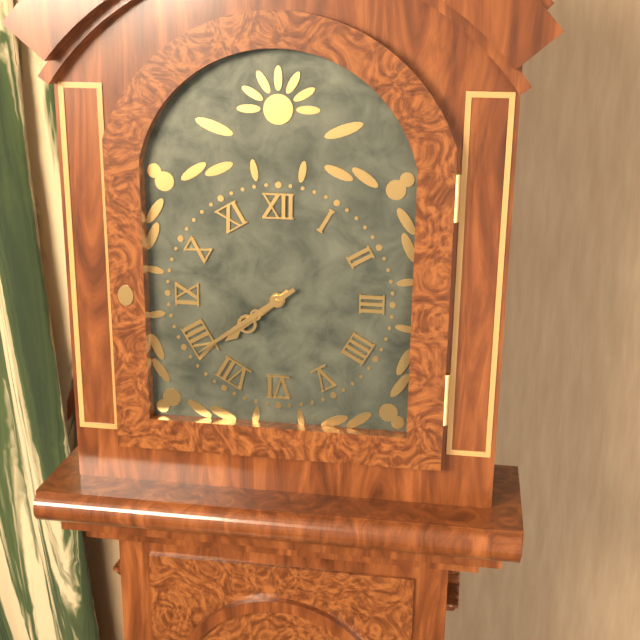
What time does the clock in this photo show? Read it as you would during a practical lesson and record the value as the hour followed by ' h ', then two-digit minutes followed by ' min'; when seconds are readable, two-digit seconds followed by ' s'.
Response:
7 h 39 min
